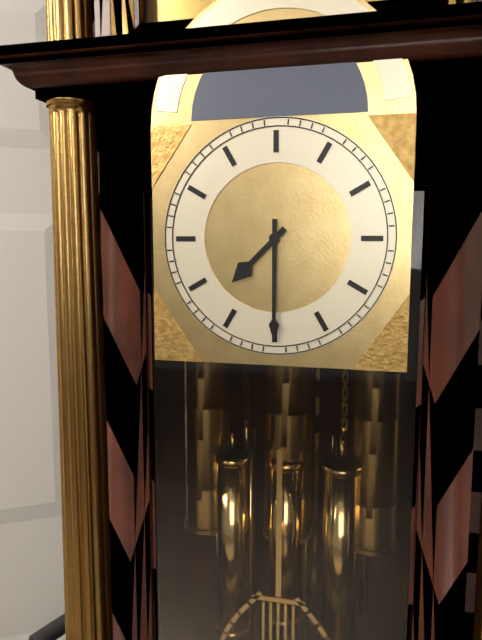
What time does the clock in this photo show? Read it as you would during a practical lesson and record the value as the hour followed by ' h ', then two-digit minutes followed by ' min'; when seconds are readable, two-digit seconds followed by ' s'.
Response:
7 h 30 min
